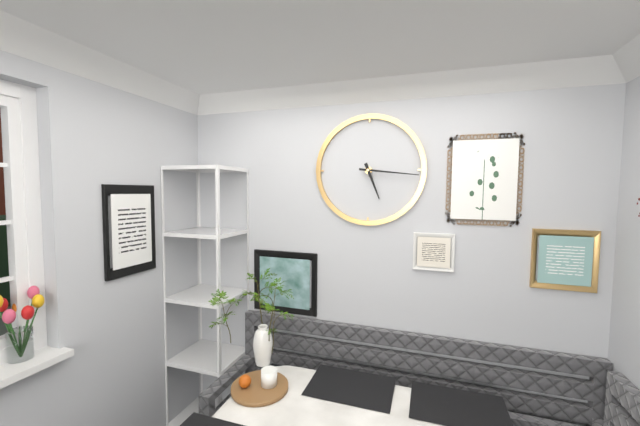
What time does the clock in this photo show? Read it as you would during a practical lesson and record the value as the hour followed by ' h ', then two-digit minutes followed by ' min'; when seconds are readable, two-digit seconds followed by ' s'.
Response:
5 h 16 min
